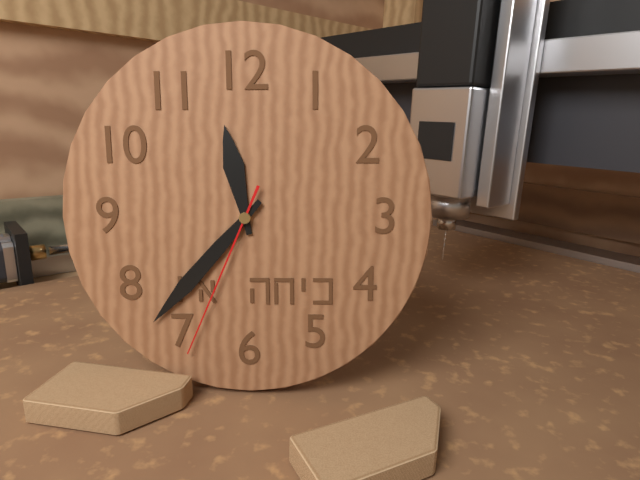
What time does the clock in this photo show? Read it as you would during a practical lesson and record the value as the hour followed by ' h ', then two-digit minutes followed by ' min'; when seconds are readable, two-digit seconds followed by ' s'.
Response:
11 h 37 min 34 s
